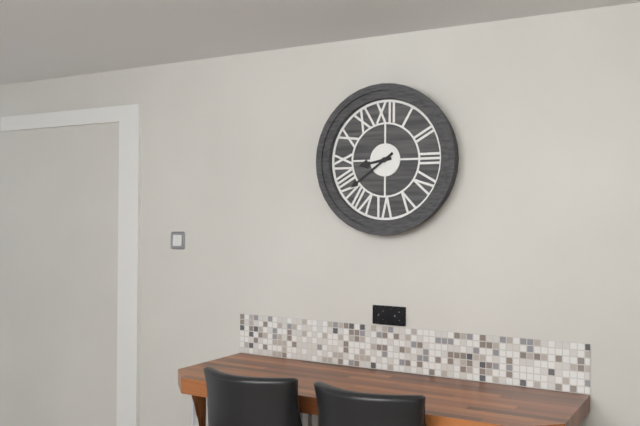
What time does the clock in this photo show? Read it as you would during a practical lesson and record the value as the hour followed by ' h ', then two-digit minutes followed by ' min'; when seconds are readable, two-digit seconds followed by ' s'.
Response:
8 h 39 min
